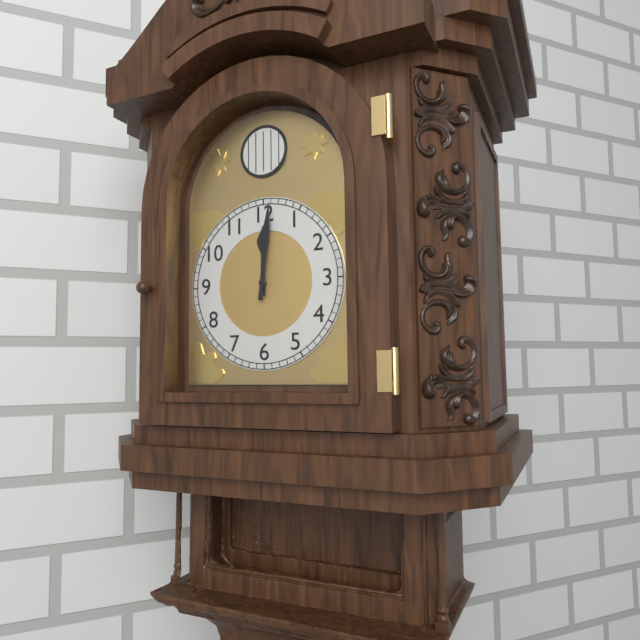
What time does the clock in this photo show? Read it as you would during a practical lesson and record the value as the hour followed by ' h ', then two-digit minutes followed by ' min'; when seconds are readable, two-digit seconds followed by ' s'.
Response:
12 h 01 min
